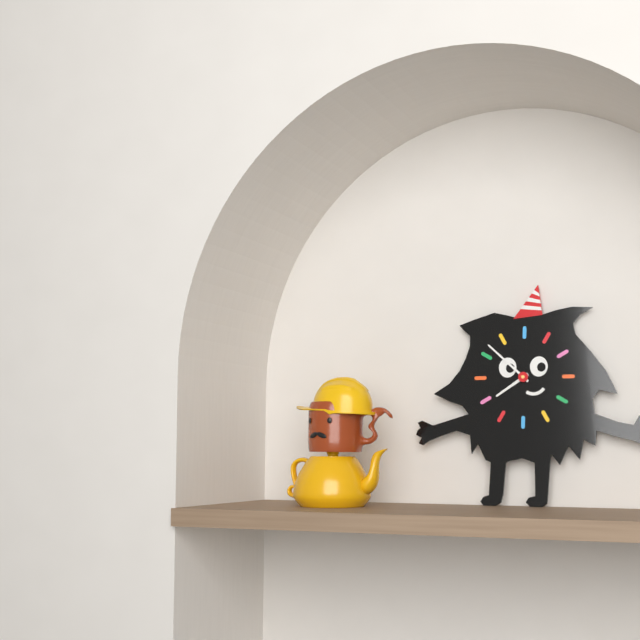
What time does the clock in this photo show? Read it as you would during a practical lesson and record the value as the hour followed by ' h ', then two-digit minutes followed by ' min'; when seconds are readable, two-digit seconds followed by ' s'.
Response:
7 h 52 min
